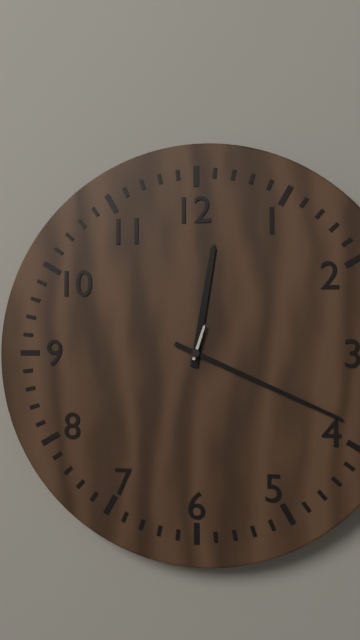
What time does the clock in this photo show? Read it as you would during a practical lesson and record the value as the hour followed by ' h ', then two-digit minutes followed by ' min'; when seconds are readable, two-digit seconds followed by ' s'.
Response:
12 h 19 min
